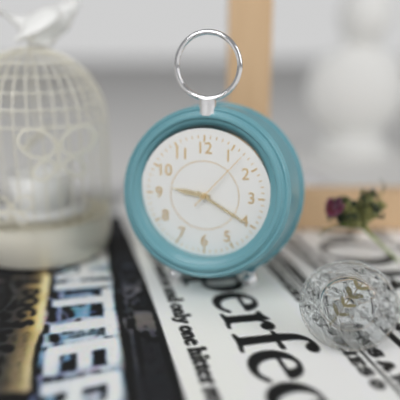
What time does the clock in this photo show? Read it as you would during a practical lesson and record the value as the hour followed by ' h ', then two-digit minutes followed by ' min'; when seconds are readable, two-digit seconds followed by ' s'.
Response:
9 h 20 min 07 s
